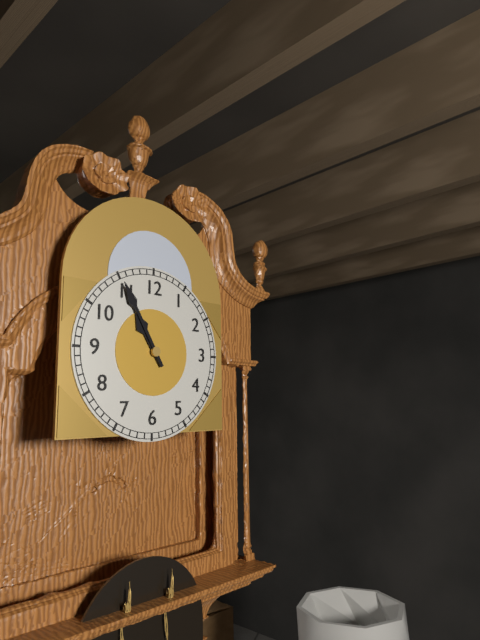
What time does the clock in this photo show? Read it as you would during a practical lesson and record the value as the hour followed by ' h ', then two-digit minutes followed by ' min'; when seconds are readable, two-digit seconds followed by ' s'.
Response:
10 h 55 min
